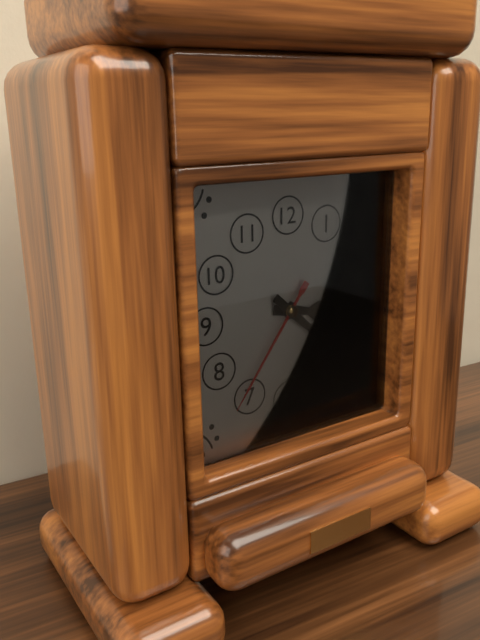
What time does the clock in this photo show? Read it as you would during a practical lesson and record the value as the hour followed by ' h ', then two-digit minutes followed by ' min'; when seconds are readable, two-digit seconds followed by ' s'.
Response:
3 h 22 min 36 s
